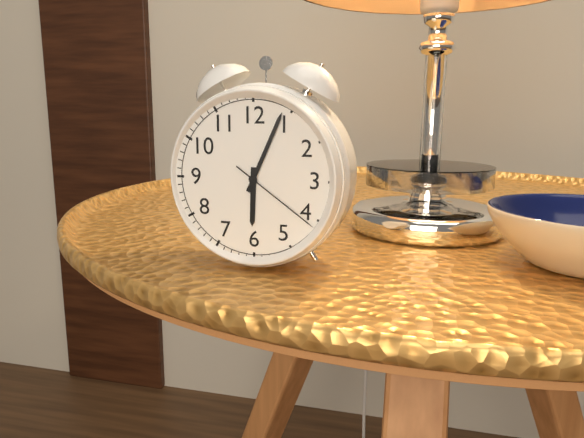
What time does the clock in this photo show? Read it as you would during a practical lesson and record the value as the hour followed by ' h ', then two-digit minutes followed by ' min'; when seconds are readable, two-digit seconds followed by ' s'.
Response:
6 h 04 min 21 s
